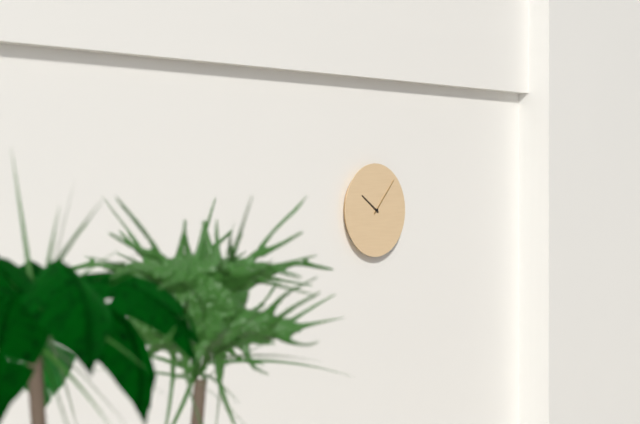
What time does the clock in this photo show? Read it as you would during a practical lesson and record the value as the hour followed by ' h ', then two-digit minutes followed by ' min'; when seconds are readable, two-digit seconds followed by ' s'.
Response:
10 h 07 min
